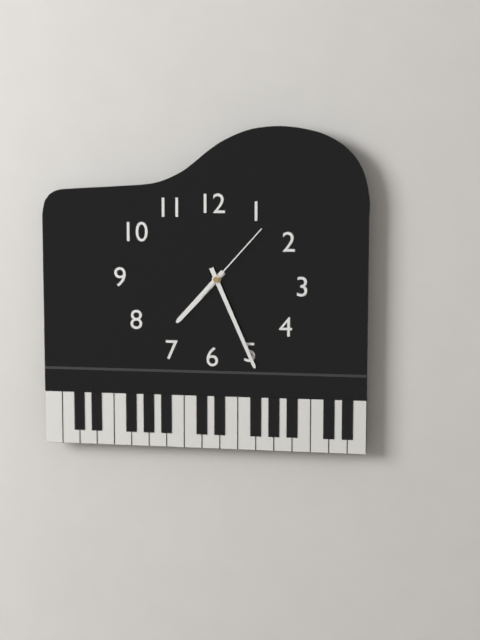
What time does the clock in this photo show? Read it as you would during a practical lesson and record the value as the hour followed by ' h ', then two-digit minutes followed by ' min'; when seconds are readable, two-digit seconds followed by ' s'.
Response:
7 h 26 min 07 s
